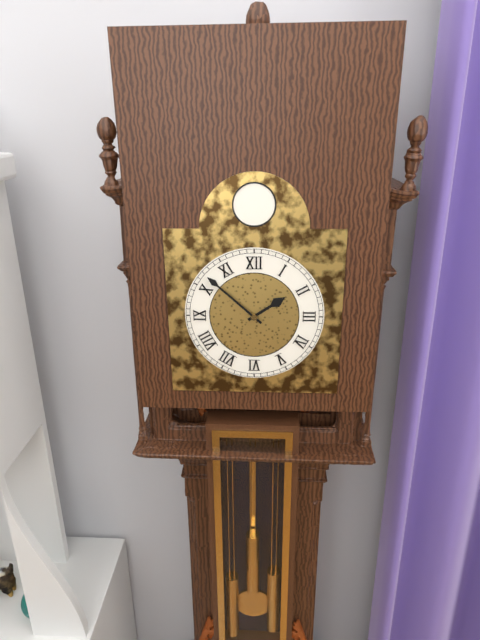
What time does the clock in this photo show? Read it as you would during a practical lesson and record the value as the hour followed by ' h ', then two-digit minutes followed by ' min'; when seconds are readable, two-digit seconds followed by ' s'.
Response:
1 h 52 min
